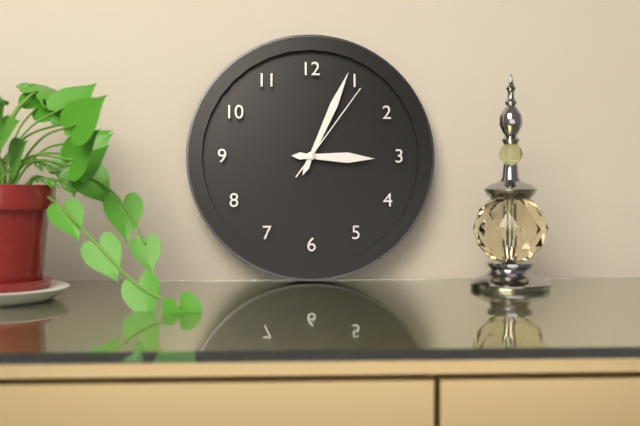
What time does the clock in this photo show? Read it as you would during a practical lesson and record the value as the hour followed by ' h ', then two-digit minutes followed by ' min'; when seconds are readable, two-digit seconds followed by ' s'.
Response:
3 h 04 min 06 s
